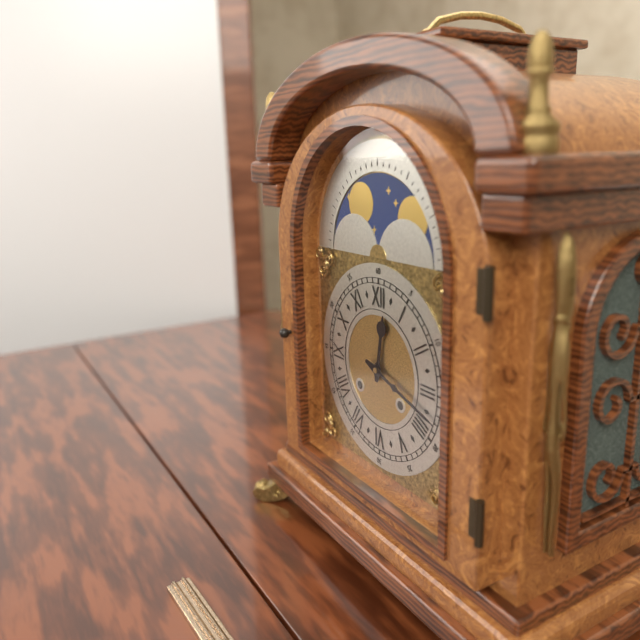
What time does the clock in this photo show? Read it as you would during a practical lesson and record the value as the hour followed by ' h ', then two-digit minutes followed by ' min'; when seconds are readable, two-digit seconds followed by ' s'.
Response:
12 h 18 min
